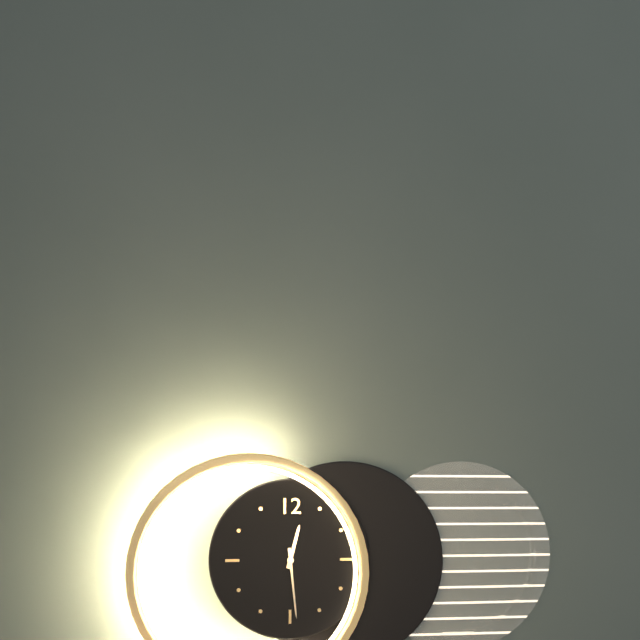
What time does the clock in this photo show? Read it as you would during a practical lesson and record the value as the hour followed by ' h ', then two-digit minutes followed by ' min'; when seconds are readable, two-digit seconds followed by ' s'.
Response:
12 h 29 min
